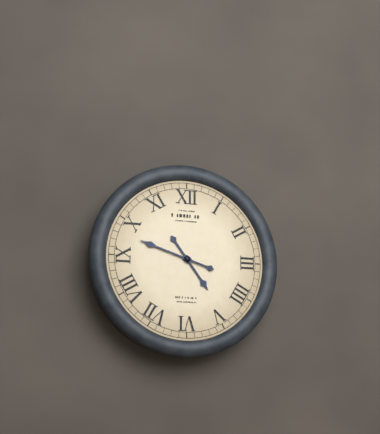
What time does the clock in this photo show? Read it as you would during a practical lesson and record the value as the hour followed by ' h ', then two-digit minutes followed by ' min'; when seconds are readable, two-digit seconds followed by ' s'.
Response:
4 h 48 min
